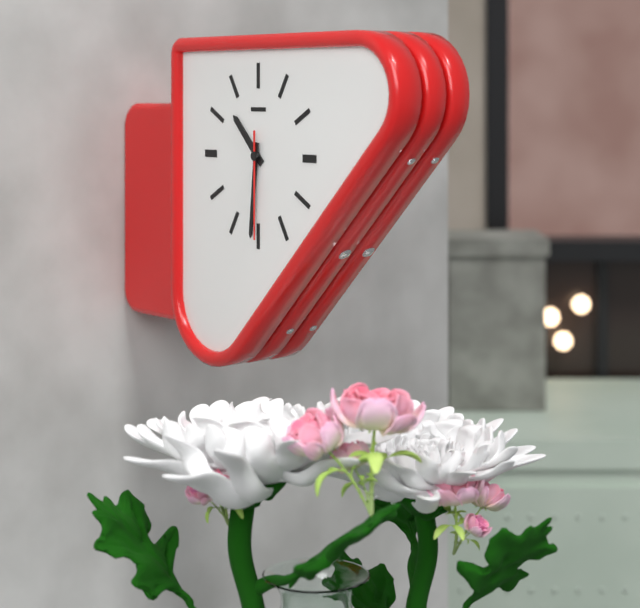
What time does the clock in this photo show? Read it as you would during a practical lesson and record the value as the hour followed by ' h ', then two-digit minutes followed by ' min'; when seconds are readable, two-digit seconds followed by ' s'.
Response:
10 h 31 min 30 s
